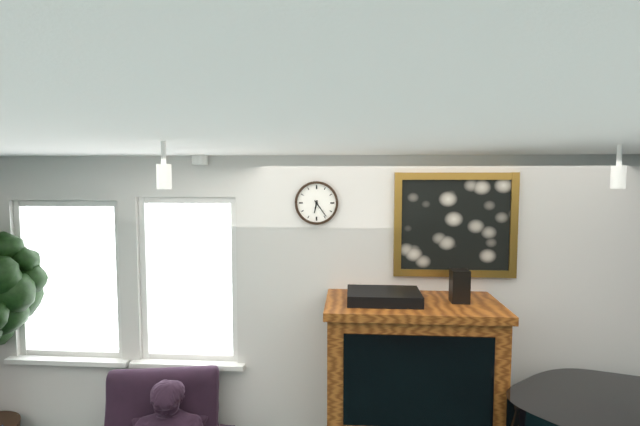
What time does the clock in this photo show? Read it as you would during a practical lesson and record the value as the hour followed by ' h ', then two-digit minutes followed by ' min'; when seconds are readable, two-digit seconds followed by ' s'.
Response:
6 h 24 min
